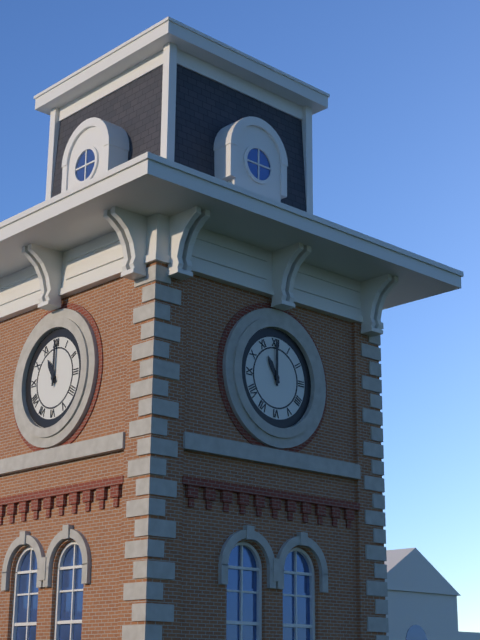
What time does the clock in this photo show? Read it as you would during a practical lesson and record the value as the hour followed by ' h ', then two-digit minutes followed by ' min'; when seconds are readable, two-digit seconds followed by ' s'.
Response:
11 h 00 min
